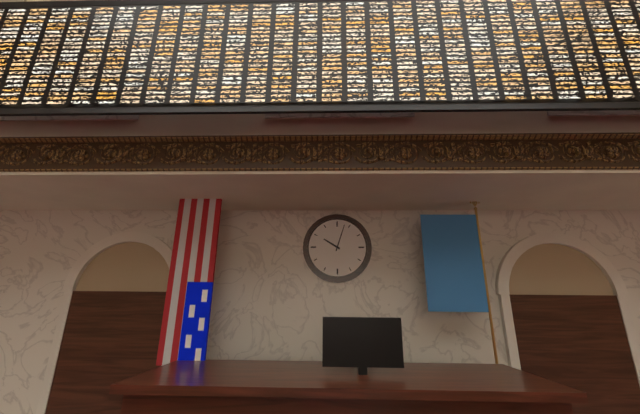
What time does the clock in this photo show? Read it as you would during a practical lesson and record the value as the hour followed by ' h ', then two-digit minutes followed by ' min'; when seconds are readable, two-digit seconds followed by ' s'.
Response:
10 h 03 min
